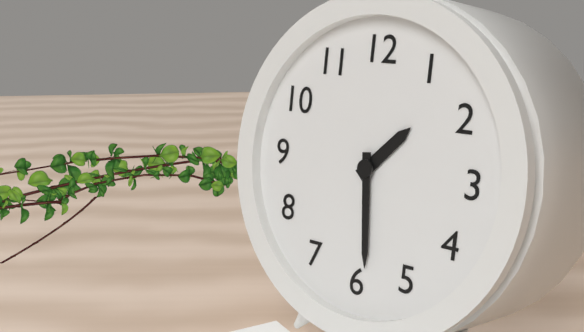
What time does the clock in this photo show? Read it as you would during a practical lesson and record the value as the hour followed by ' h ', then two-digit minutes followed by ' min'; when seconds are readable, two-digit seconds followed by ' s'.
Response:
1 h 29 min
